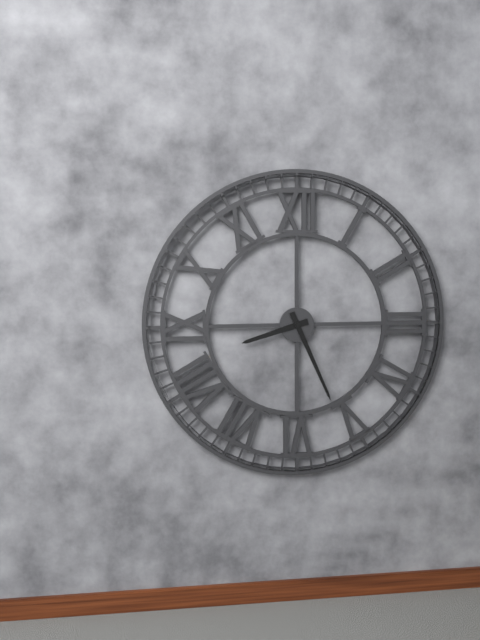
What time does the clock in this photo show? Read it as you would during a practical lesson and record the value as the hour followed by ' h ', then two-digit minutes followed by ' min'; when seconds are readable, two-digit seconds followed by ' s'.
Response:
8 h 26 min
